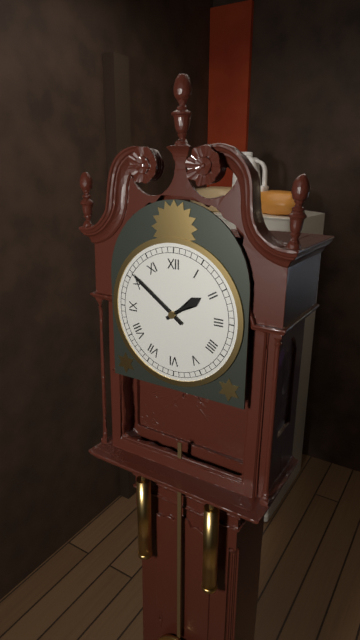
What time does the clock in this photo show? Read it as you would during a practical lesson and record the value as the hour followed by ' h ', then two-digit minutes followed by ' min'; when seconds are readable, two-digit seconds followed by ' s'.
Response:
1 h 51 min
